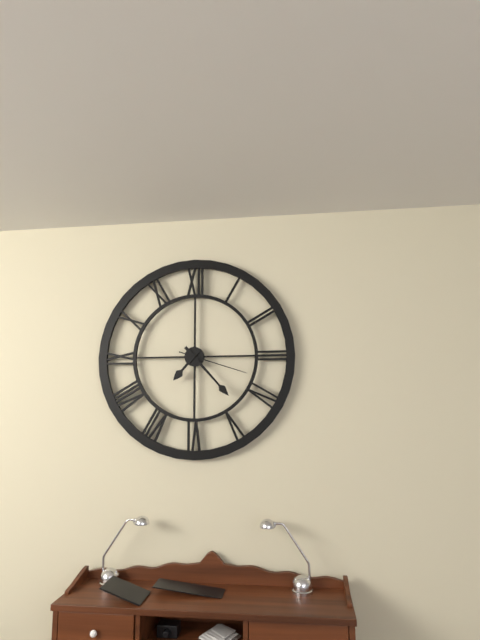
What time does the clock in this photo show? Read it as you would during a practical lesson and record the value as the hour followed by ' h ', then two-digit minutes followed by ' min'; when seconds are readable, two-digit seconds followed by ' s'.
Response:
7 h 23 min 18 s
